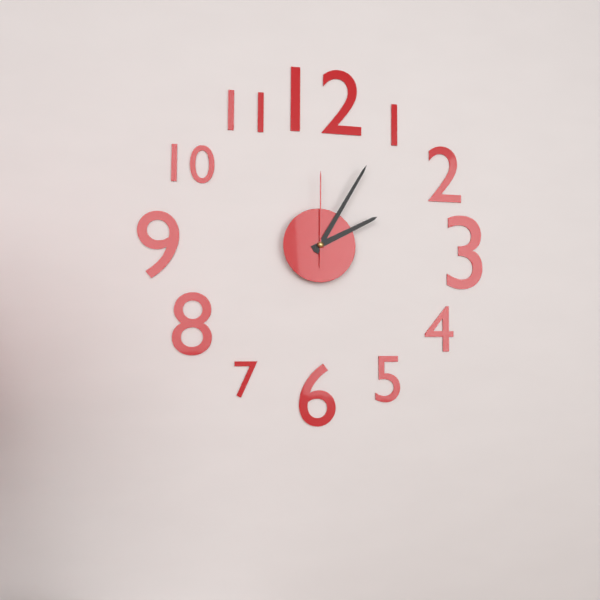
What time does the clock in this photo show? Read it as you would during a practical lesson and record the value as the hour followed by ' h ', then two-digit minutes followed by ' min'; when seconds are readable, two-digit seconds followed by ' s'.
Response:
2 h 05 min 00 s
